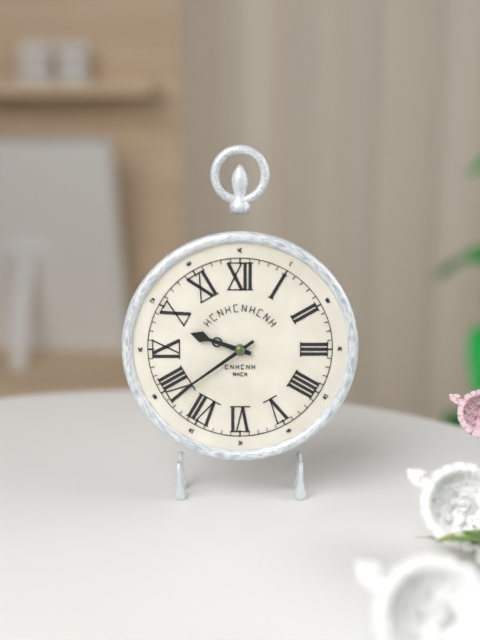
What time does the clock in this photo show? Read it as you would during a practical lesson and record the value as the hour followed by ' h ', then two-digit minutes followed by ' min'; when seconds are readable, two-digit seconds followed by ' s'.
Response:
9 h 39 min
